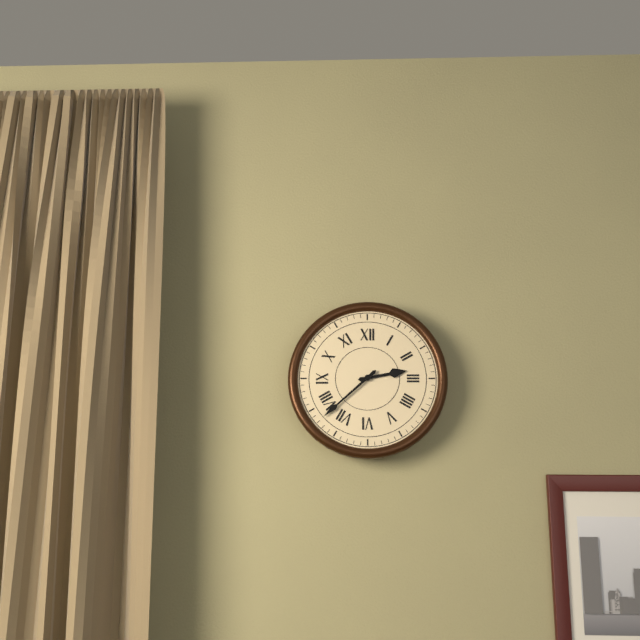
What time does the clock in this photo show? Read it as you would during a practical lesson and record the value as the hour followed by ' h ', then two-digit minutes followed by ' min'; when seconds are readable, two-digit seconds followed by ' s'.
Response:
2 h 38 min
